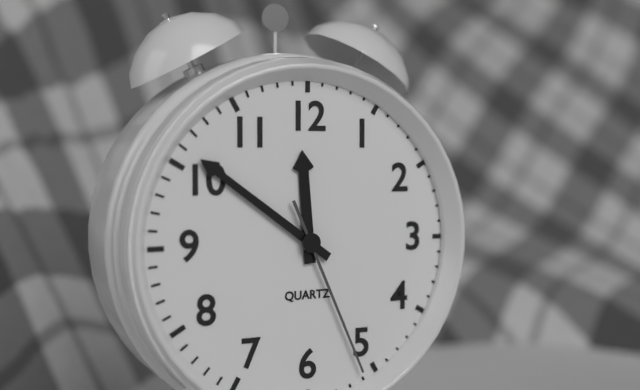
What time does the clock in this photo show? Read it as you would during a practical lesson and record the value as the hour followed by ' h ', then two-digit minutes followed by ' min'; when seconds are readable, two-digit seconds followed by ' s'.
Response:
11 h 51 min 26 s
